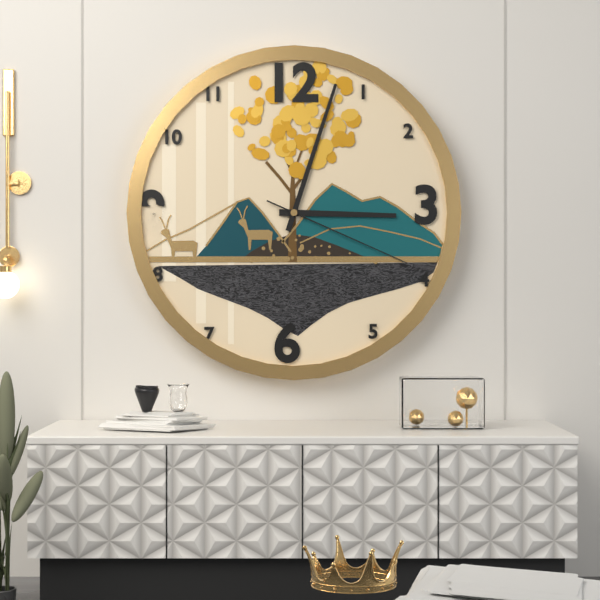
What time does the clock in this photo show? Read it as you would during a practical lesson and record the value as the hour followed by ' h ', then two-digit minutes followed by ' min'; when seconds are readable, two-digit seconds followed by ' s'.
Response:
3 h 03 min 19 s
